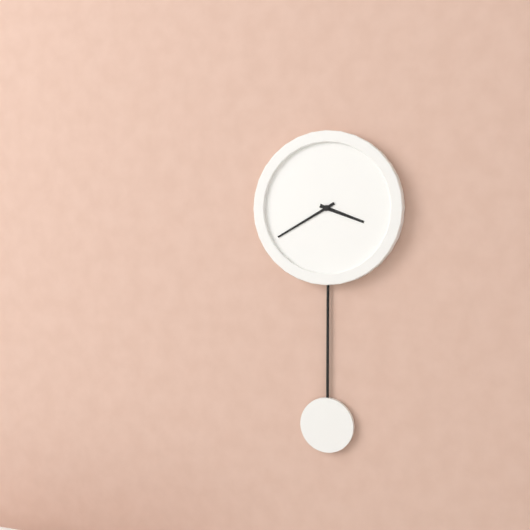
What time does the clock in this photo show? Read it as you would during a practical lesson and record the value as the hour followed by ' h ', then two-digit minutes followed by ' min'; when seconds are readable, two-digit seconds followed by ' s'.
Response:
3 h 40 min
